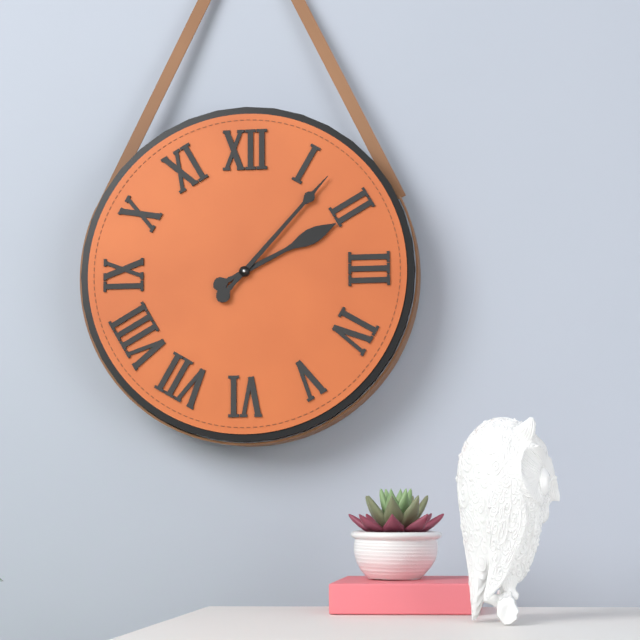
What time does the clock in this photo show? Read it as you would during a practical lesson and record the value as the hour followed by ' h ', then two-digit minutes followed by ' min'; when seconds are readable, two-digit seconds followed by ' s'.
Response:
2 h 07 min
